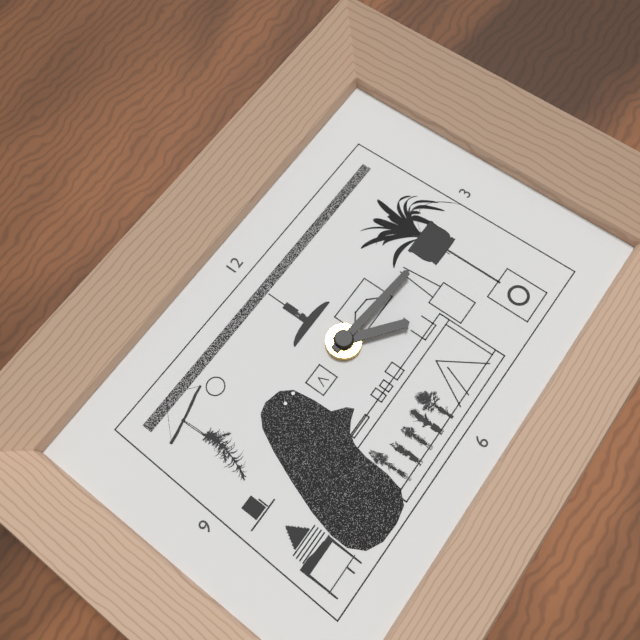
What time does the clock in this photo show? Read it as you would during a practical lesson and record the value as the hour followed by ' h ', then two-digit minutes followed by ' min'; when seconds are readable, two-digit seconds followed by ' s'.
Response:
4 h 16 min
